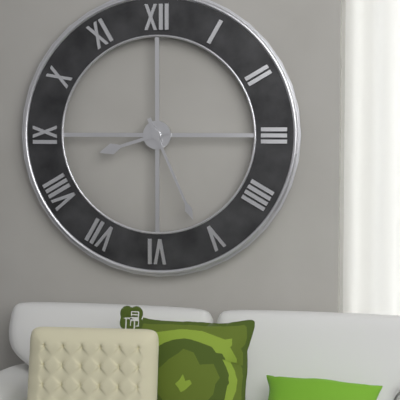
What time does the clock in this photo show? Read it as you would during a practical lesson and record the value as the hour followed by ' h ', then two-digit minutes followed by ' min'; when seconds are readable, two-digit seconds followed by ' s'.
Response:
8 h 26 min
